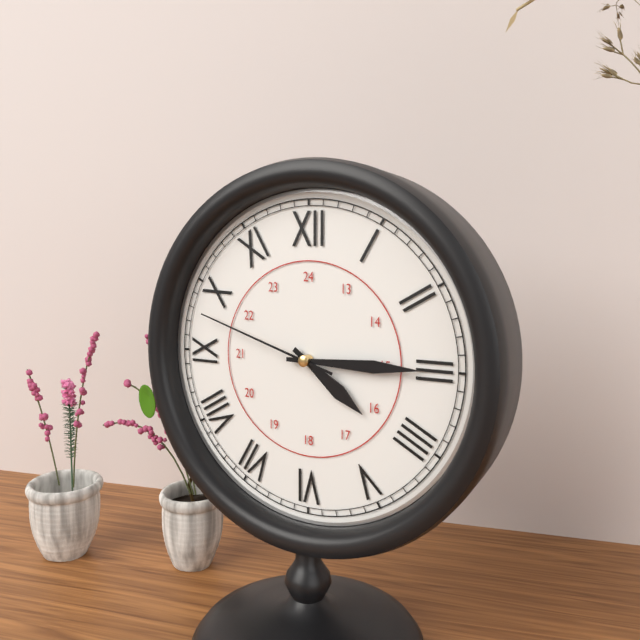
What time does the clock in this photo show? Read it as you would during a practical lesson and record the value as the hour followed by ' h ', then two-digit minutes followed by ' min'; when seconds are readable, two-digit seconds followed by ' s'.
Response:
4 h 15 min 48 s
